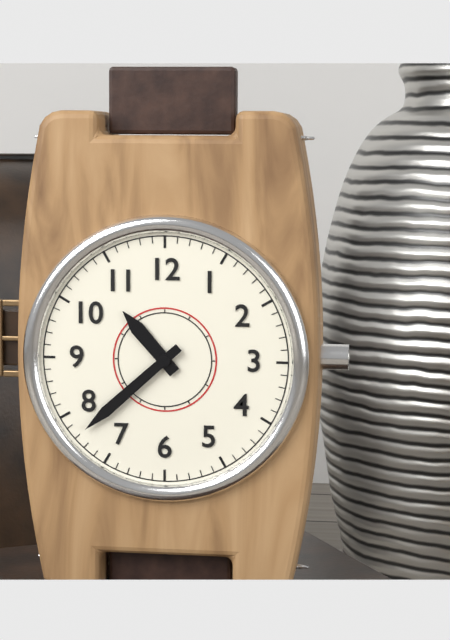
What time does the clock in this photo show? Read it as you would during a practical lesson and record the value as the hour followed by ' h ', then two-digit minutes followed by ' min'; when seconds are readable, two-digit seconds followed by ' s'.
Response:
10 h 38 min
